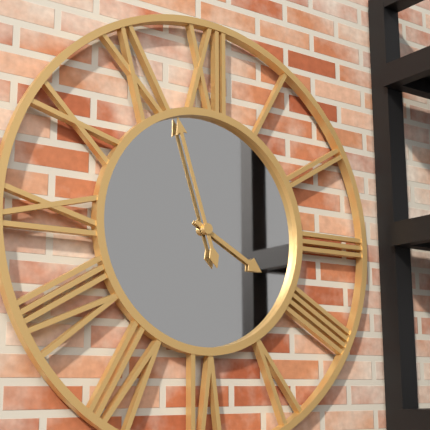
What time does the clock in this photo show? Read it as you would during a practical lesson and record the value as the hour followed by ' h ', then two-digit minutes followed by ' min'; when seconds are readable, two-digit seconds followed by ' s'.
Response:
3 h 57 min
